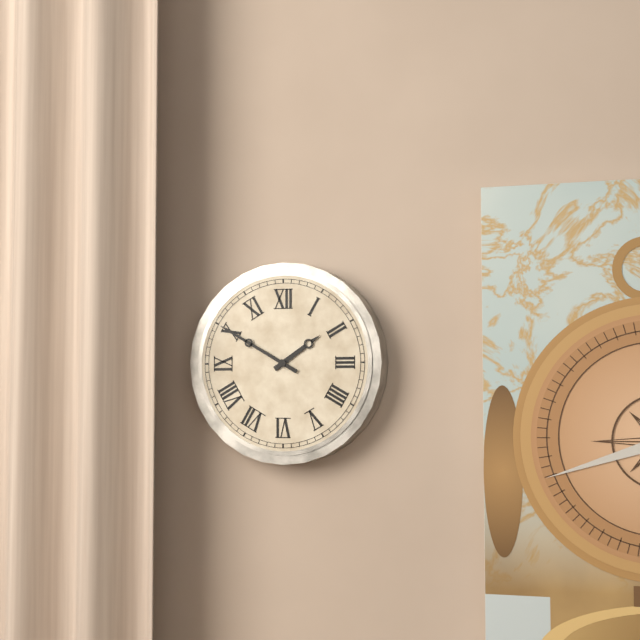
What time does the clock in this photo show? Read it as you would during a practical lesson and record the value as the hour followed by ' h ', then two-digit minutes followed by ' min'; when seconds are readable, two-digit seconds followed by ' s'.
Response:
1 h 50 min
